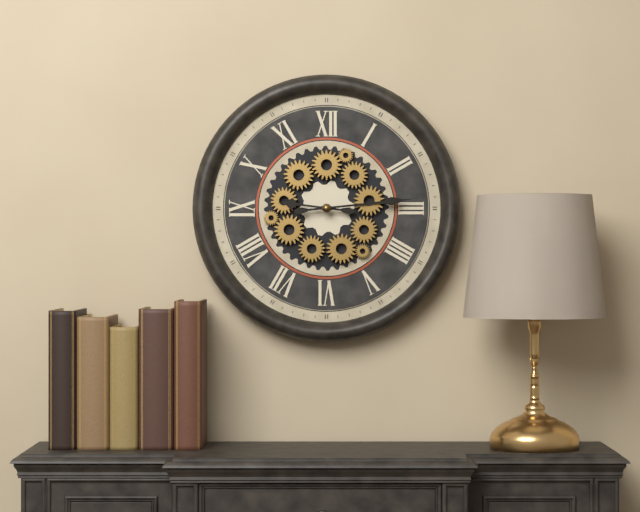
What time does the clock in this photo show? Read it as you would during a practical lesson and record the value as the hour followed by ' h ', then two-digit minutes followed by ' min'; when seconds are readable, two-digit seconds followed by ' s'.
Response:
9 h 14 min
